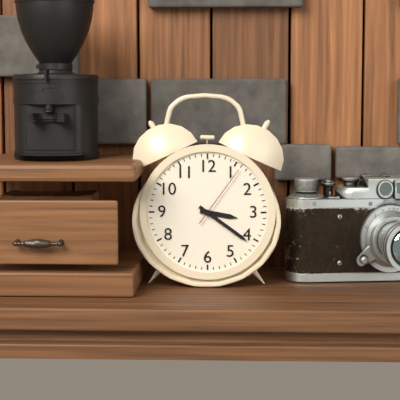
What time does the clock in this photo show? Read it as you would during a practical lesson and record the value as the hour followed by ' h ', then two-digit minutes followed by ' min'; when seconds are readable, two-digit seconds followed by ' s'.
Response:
3 h 21 min 06 s
